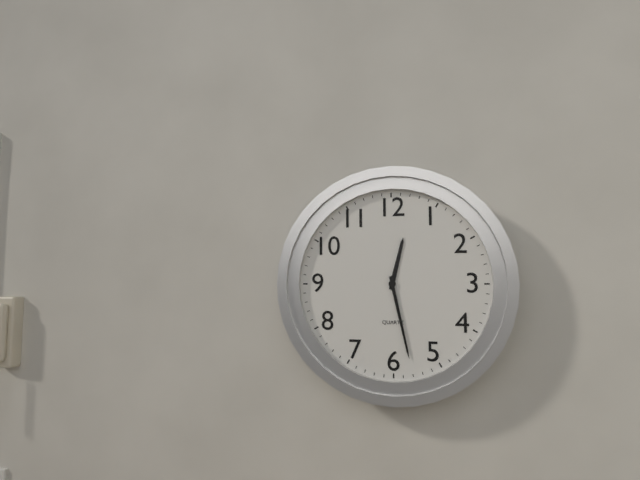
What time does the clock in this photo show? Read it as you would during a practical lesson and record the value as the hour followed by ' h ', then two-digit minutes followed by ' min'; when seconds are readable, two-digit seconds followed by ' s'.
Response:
12 h 28 min
